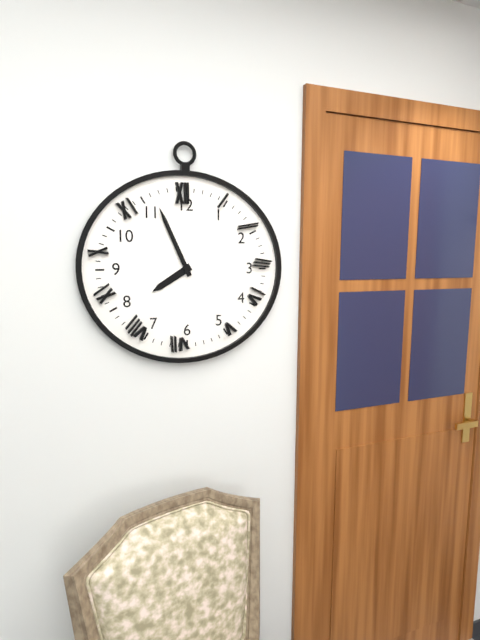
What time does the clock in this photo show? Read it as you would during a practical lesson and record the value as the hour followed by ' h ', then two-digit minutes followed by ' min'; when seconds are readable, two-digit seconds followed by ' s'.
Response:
7 h 56 min
